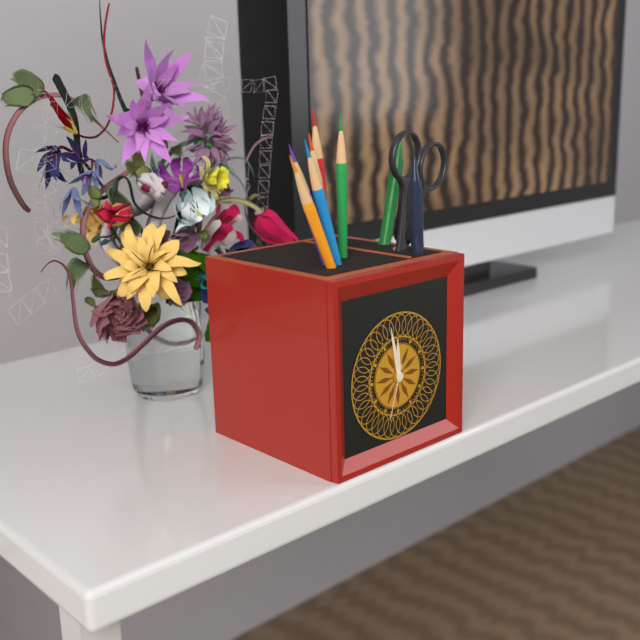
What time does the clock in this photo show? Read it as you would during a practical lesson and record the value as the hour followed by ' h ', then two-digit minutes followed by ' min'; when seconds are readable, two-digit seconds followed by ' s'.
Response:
11 h 58 min 33 s
